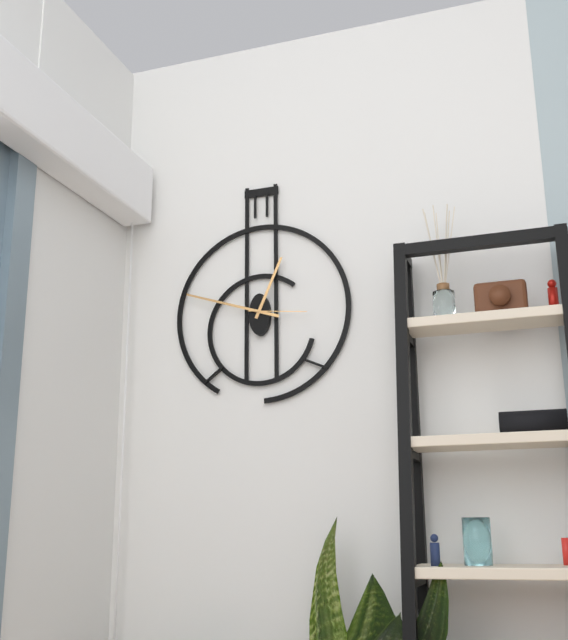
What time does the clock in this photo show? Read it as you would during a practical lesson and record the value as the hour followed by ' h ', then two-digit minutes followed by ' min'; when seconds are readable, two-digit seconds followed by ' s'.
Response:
12 h 48 min 16 s
